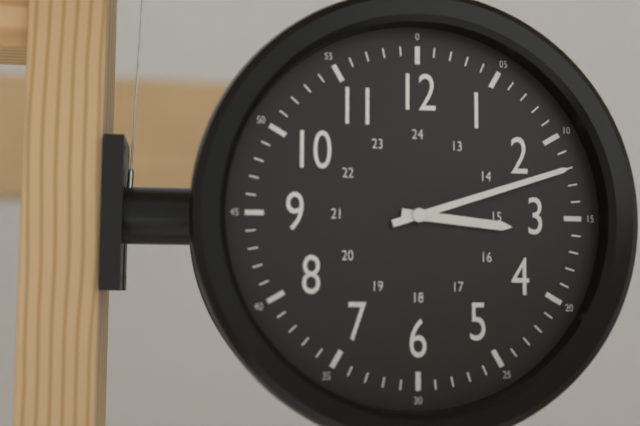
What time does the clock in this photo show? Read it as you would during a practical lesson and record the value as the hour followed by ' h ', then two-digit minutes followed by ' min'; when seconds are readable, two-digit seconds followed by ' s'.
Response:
3 h 12 min
